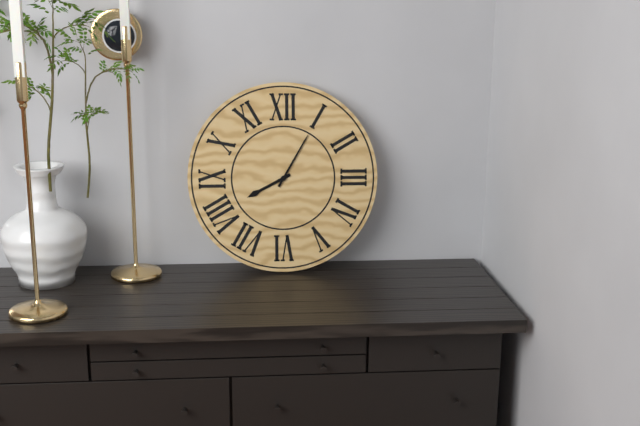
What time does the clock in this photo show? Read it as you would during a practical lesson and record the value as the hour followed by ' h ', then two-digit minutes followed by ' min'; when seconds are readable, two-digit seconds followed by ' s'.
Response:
8 h 05 min
